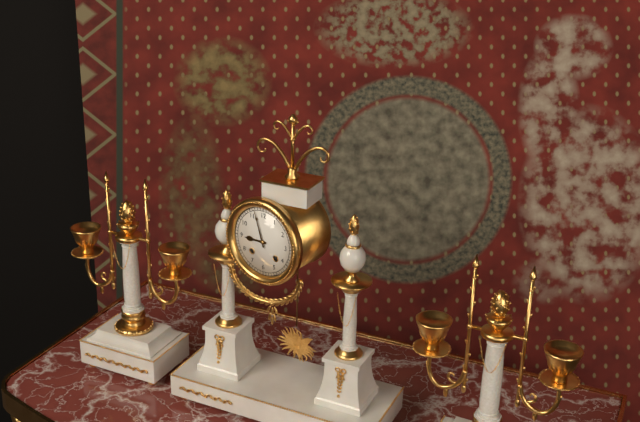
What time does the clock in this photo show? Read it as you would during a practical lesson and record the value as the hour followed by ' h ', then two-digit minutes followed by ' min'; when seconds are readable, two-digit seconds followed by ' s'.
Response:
8 h 57 min
